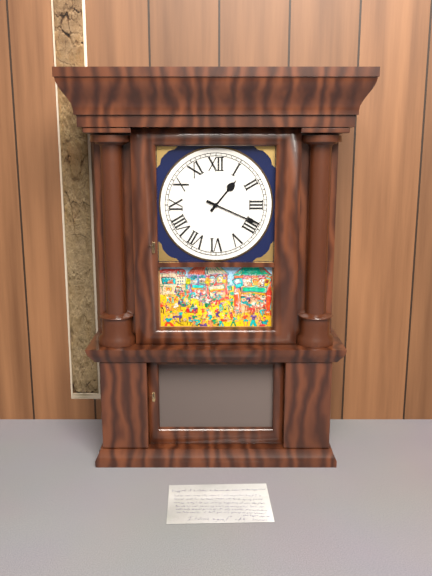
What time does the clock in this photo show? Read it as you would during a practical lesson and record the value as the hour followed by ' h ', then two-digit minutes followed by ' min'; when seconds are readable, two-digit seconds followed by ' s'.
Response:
1 h 19 min
